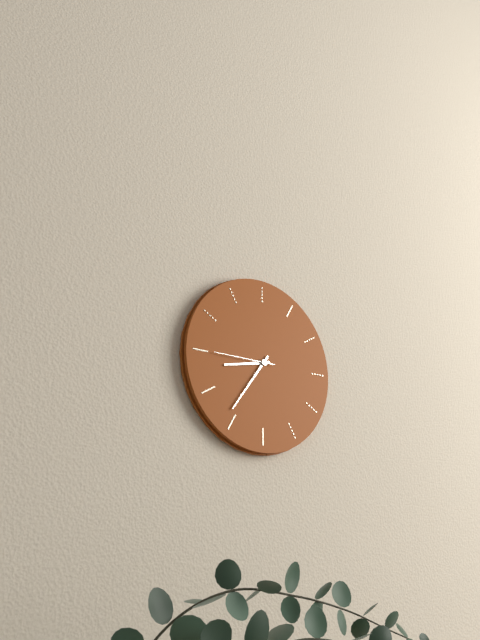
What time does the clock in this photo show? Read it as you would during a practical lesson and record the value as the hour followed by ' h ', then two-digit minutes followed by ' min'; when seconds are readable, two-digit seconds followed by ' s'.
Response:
8 h 36 min 45 s
